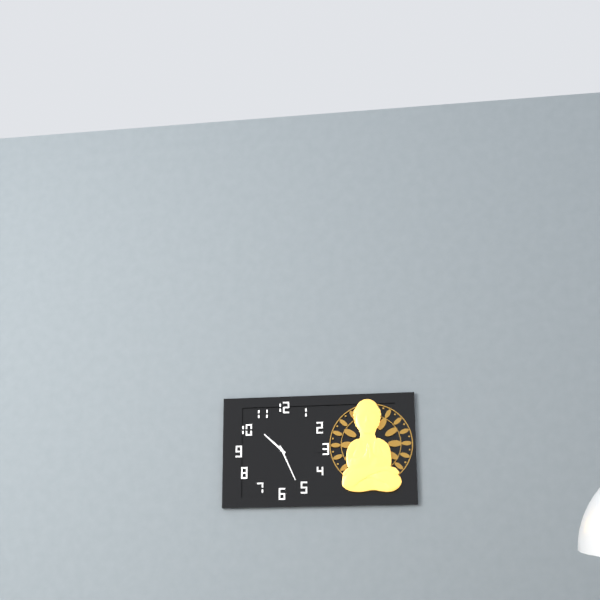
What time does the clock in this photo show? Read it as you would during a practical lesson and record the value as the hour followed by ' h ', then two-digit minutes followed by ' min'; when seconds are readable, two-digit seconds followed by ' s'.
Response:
10 h 26 min
